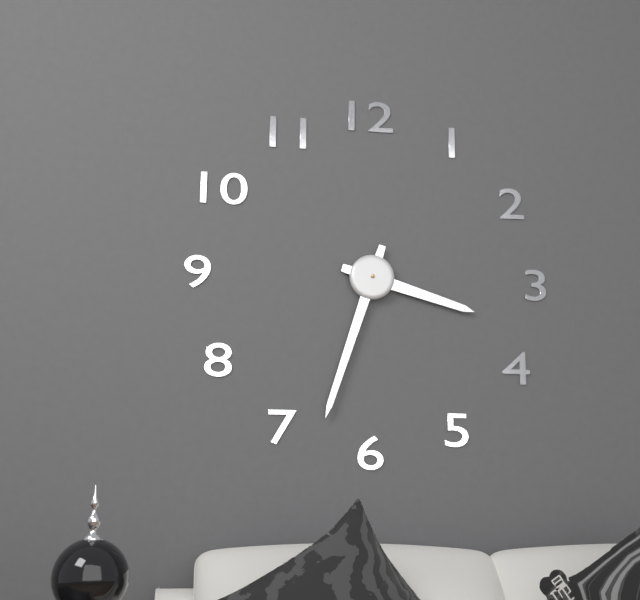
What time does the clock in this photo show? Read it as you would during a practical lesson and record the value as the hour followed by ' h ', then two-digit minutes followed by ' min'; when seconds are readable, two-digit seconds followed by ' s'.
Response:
3 h 33 min
